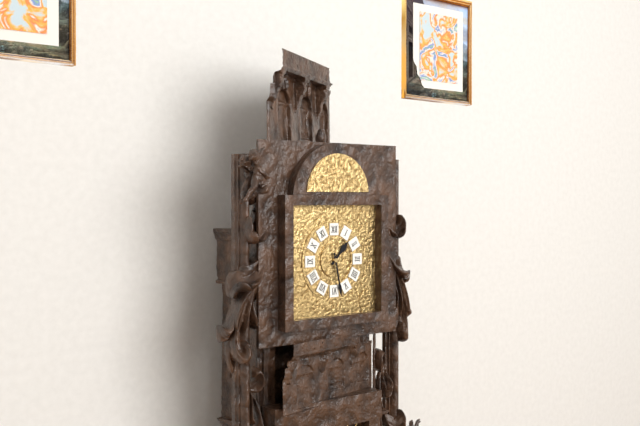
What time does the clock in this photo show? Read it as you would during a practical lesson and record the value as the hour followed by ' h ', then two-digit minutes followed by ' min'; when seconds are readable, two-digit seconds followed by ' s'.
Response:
1 h 28 min
